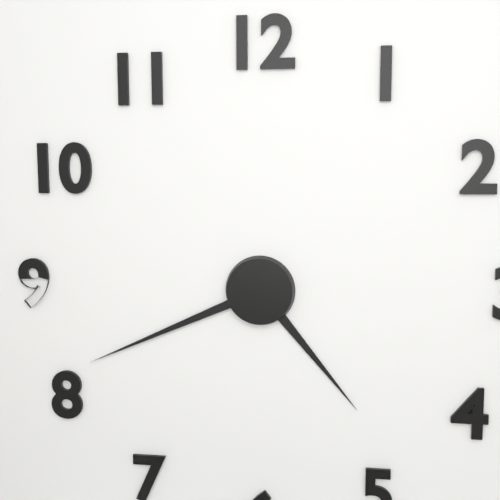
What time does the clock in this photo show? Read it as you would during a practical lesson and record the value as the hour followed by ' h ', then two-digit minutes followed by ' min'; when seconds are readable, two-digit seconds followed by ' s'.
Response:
4 h 41 min
